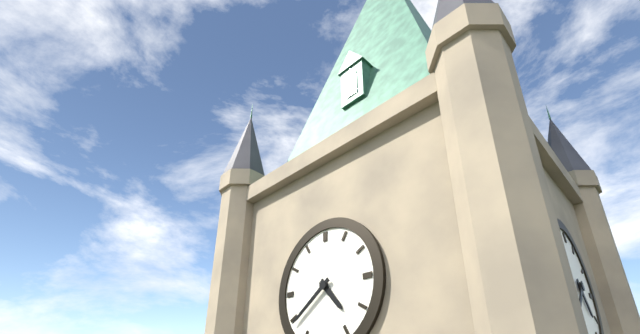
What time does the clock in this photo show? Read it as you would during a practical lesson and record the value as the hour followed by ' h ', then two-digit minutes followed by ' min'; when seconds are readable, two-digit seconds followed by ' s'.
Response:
4 h 39 min
